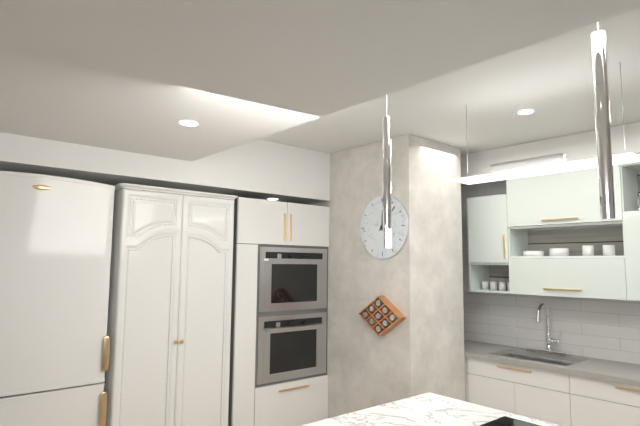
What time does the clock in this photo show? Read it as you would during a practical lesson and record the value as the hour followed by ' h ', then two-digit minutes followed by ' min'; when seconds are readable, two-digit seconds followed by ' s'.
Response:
12 h 07 min
